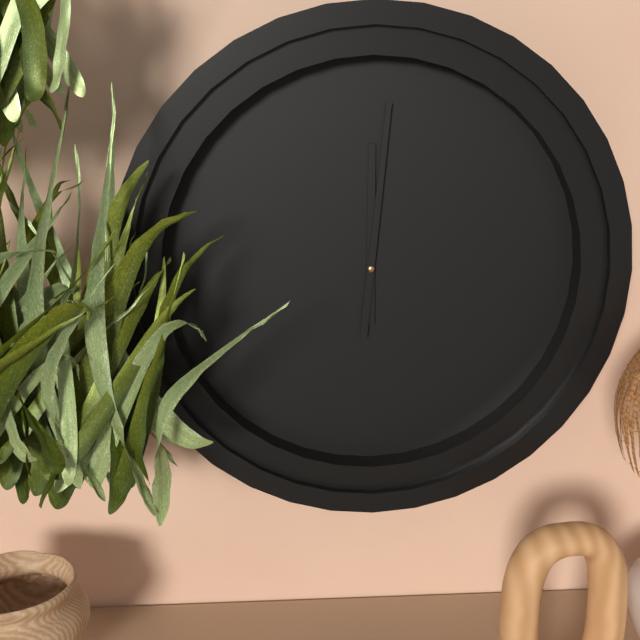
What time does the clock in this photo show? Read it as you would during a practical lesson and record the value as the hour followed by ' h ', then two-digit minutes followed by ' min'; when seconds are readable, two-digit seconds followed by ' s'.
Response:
12 h 01 min
